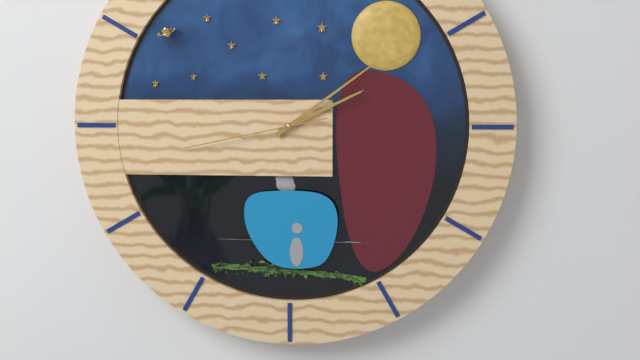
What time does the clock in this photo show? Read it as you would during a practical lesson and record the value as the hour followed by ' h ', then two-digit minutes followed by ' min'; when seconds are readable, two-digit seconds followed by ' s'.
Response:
2 h 09 min 43 s
